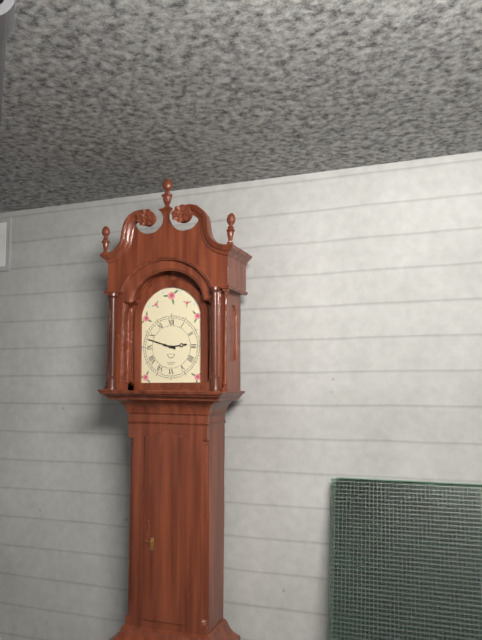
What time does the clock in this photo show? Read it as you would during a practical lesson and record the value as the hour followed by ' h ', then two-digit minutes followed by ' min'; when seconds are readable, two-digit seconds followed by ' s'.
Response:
2 h 48 min
